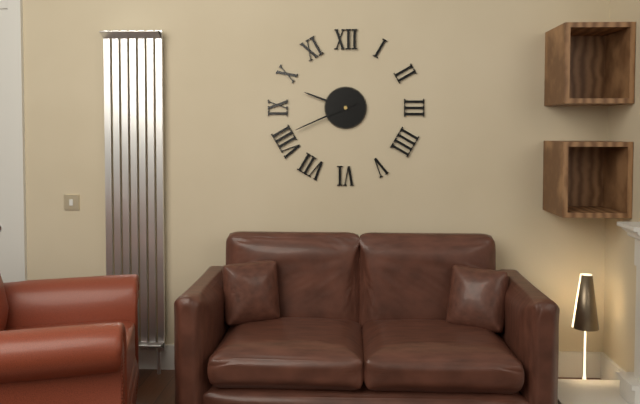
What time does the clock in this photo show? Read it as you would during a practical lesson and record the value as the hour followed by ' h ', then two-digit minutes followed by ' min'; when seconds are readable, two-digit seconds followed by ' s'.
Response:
9 h 41 min
